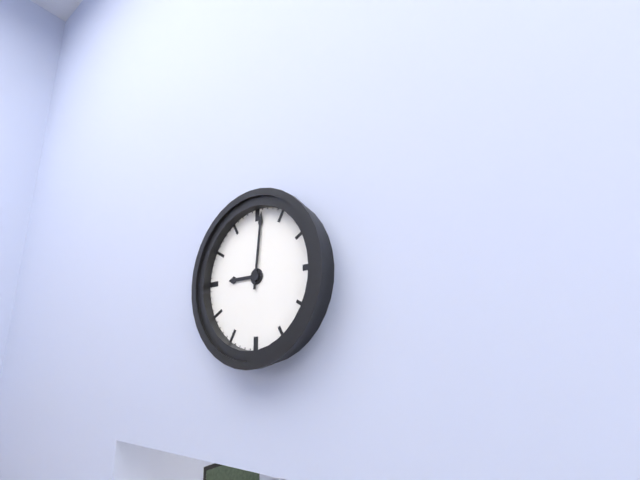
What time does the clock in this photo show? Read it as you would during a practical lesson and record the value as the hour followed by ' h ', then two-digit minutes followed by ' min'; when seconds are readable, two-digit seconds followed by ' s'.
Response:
9 h 01 min
